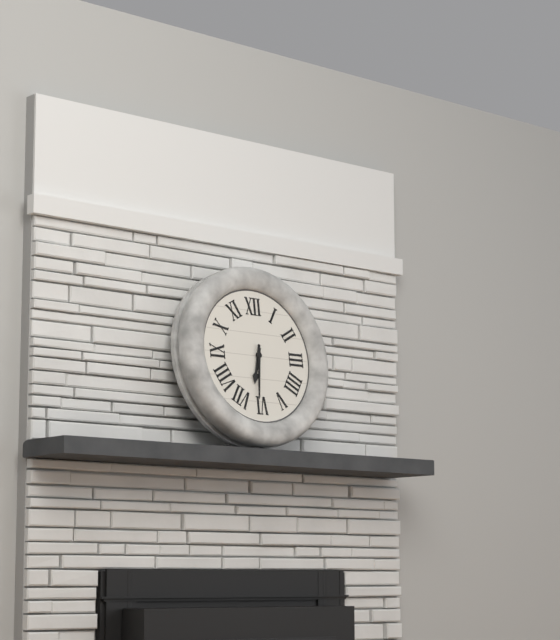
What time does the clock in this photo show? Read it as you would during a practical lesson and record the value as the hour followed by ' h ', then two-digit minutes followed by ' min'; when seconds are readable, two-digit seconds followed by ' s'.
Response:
6 h 31 min
